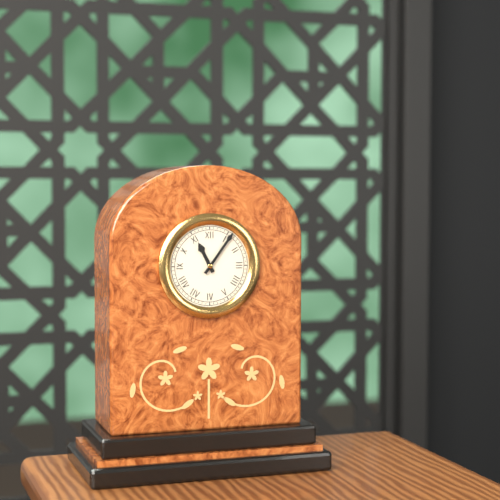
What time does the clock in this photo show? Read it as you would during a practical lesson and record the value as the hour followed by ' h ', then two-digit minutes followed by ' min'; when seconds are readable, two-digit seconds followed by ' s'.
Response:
11 h 06 min
